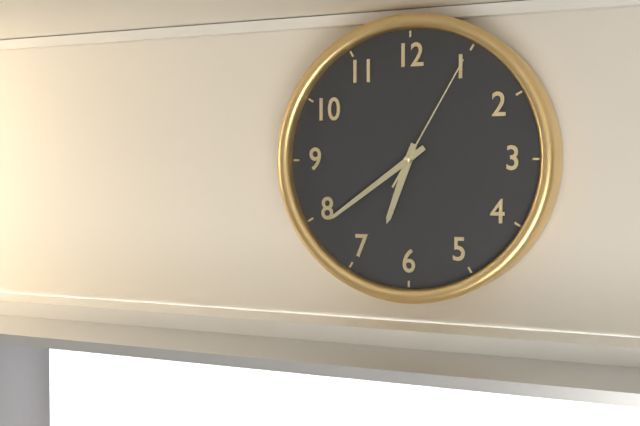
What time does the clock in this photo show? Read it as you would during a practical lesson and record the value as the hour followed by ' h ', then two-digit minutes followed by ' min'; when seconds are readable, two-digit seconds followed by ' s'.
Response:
6 h 39 min 05 s
